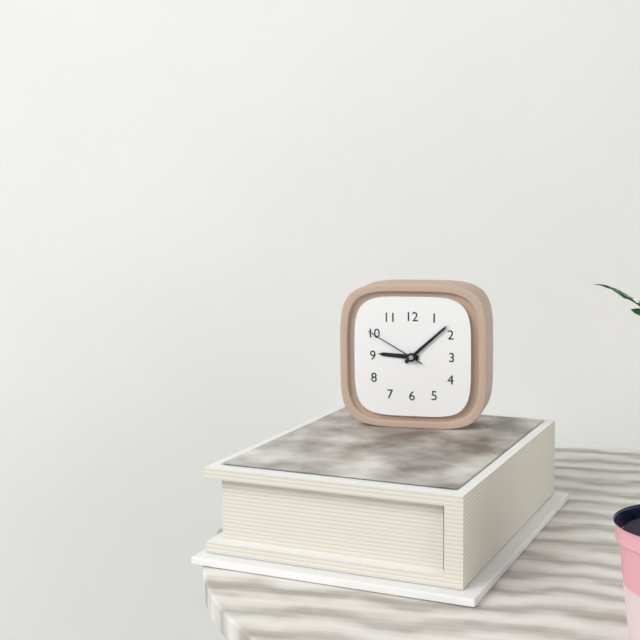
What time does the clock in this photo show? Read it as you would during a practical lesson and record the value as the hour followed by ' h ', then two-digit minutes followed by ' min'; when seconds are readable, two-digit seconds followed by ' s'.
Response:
9 h 08 min 50 s
